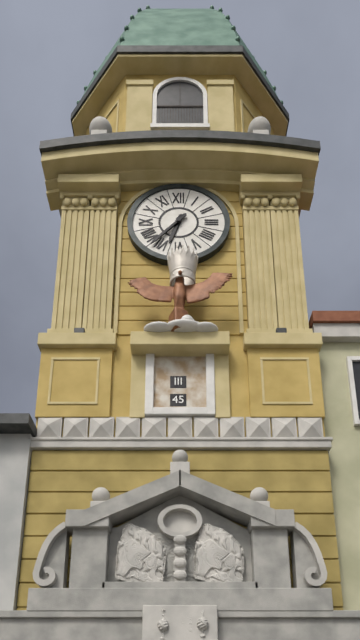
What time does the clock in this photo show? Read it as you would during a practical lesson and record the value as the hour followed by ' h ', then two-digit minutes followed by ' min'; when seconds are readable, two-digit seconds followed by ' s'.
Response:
6 h 37 min
